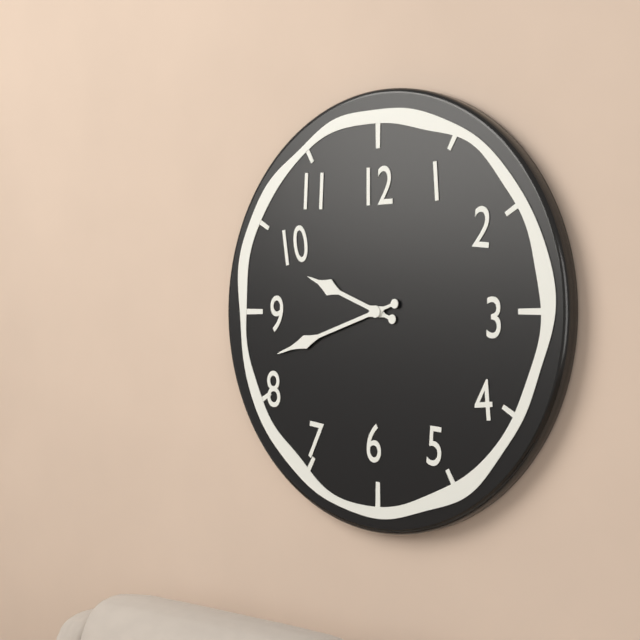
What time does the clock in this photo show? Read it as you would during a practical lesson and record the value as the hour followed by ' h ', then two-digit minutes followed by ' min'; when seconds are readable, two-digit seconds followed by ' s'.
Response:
9 h 42 min
